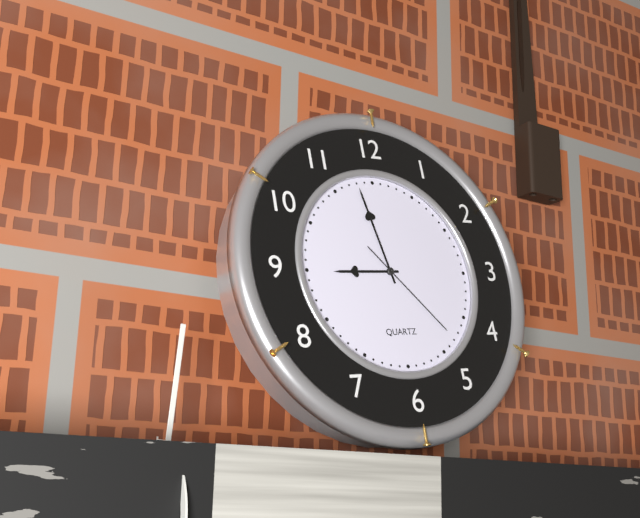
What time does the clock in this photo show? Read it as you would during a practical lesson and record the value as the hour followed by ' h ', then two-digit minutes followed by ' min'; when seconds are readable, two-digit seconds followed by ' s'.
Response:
8 h 58 min 23 s
